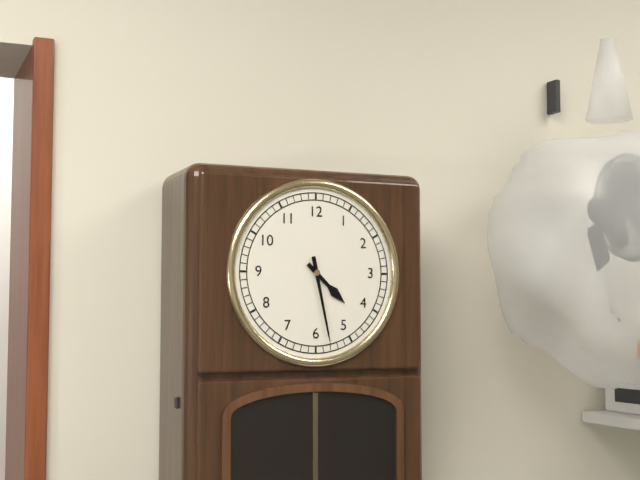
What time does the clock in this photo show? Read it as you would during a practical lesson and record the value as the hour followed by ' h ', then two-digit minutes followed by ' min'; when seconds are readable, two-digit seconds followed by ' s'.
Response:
4 h 28 min
